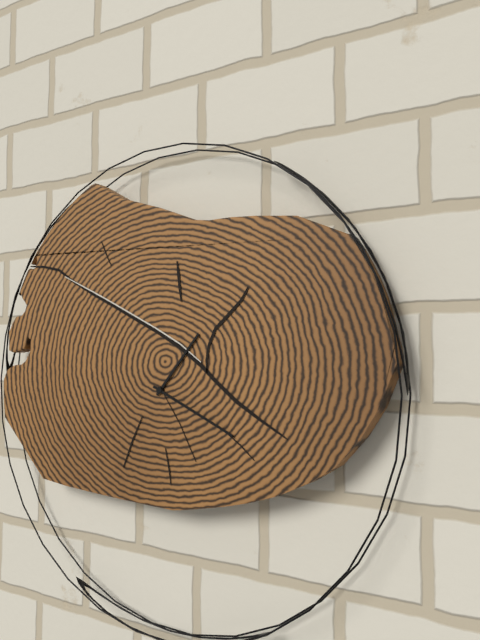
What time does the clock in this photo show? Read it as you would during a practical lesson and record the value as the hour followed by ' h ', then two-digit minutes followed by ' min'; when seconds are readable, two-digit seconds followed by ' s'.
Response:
1 h 19 min
